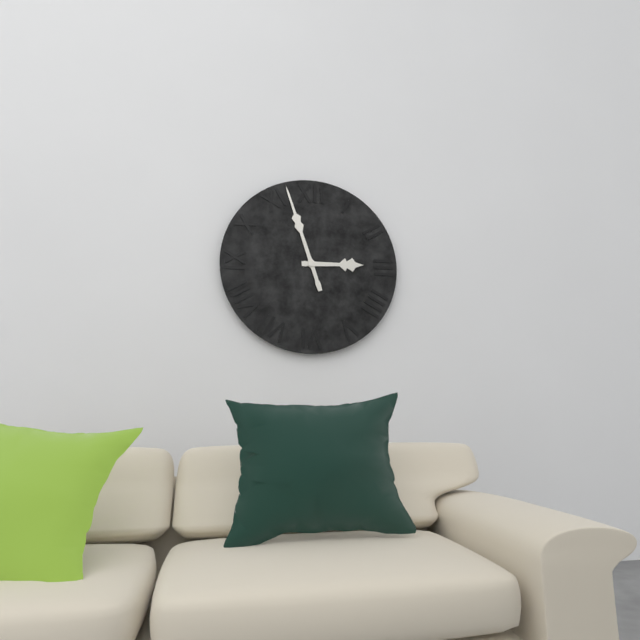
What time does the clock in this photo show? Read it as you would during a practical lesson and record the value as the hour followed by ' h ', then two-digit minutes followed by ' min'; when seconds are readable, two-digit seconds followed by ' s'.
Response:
2 h 57 min
